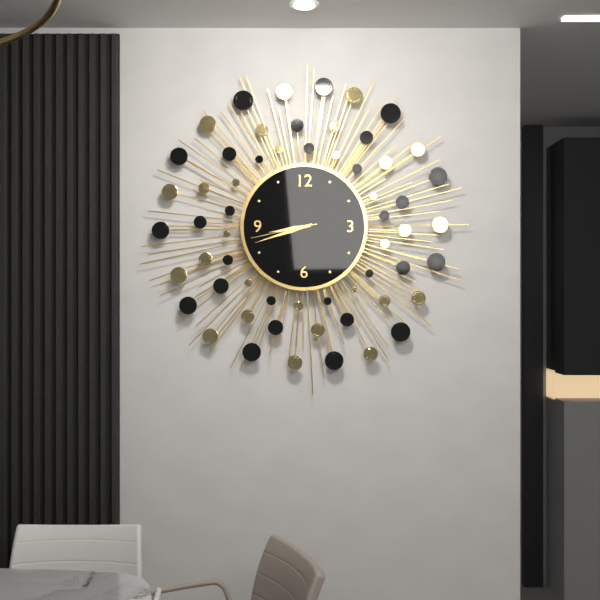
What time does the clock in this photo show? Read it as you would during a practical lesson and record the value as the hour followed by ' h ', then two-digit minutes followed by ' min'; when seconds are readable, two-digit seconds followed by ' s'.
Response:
8 h 42 min 43 s
